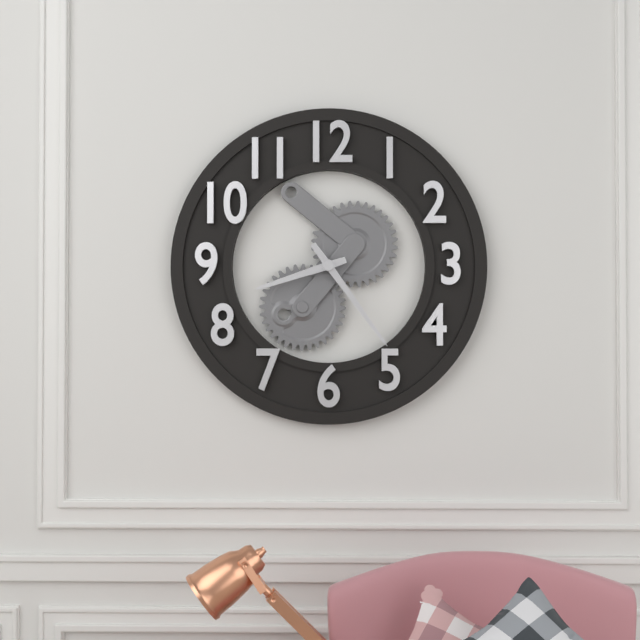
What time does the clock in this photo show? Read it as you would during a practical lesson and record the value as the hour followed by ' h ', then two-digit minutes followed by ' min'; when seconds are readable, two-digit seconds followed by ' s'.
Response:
8 h 24 min
